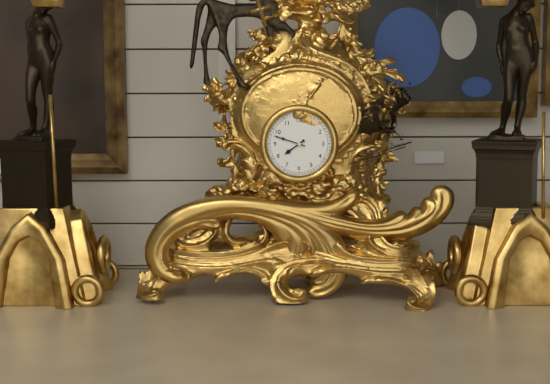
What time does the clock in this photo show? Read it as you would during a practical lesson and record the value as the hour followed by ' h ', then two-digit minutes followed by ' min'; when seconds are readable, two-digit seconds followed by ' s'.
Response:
7 h 48 min
